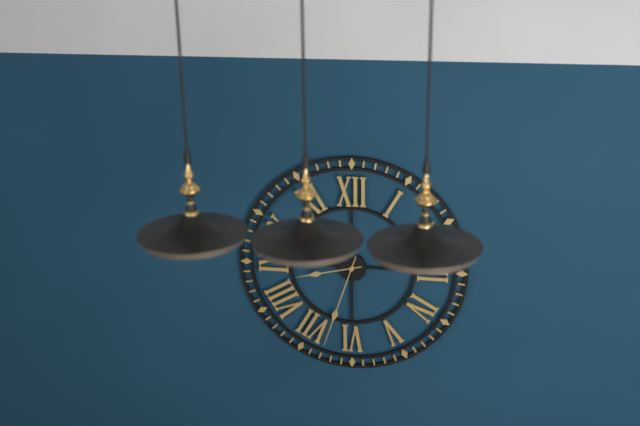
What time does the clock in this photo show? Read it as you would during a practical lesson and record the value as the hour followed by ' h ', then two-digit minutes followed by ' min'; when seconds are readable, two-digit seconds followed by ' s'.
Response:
8 h 33 min
